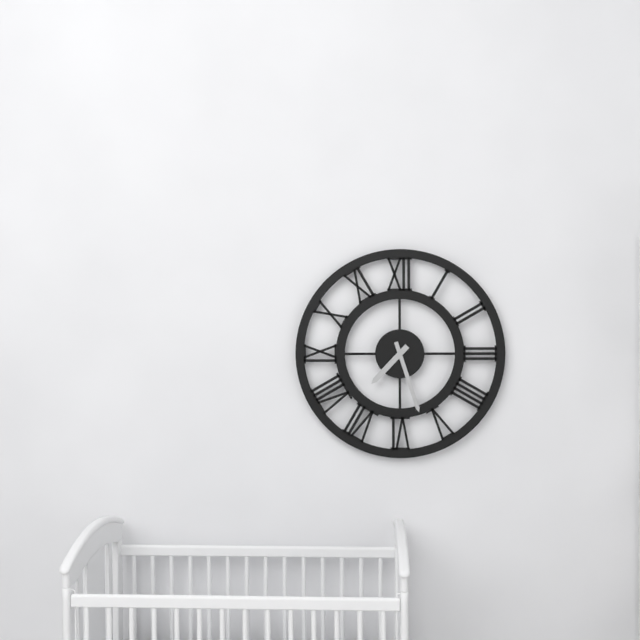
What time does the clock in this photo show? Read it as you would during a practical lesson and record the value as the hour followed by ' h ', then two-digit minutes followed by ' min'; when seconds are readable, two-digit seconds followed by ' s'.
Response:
7 h 27 min
